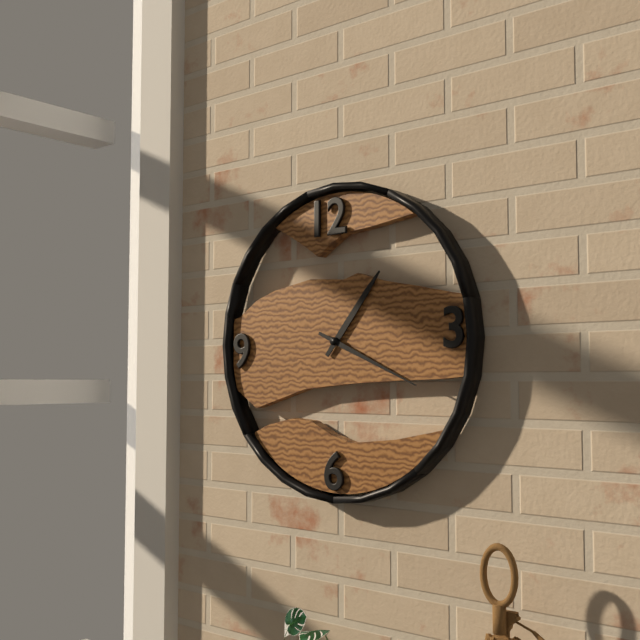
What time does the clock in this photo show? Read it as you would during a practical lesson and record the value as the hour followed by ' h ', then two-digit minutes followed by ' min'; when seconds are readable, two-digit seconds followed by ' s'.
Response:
1 h 19 min
